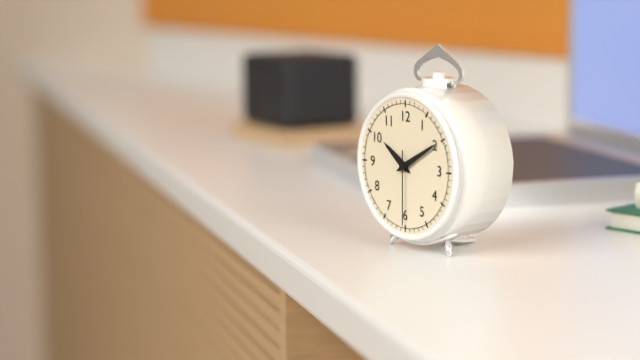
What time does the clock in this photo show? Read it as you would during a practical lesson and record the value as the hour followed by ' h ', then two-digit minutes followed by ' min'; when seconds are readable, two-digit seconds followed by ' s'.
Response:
10 h 10 min 30 s
